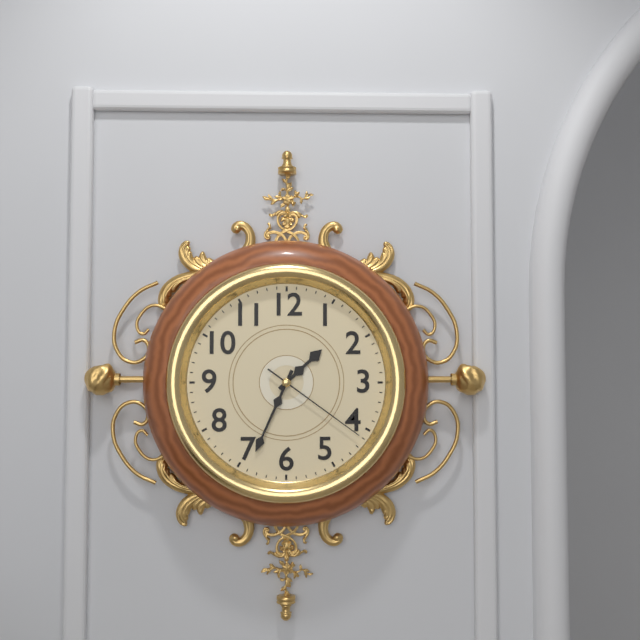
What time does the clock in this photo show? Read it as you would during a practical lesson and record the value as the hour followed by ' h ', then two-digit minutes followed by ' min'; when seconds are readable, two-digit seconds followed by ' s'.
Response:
1 h 34 min 21 s
